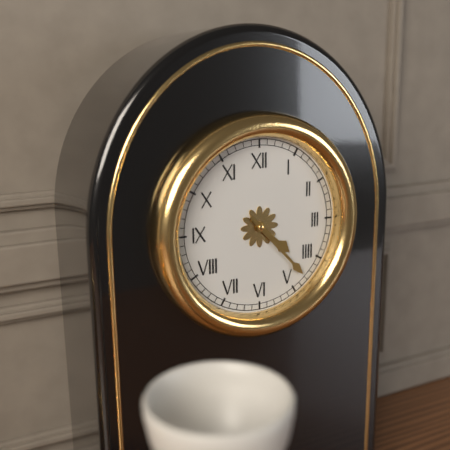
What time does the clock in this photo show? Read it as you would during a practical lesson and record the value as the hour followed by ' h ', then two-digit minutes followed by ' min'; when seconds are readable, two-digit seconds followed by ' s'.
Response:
4 h 23 min
